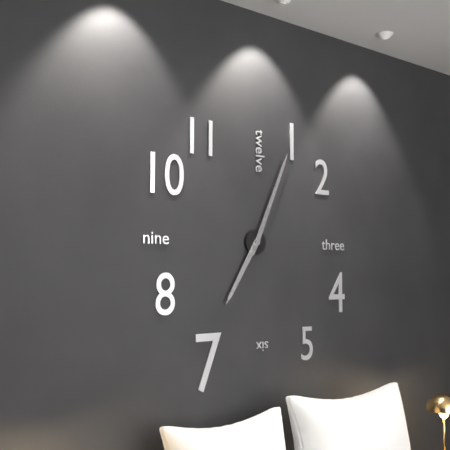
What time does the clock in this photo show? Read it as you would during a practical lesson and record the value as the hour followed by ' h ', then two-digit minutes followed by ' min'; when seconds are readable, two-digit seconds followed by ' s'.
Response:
7 h 04 min
